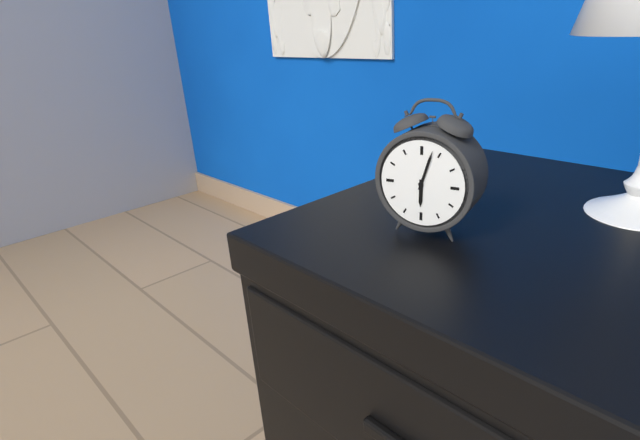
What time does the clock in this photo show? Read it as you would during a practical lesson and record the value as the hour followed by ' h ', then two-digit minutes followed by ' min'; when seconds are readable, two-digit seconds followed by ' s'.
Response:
6 h 03 min
